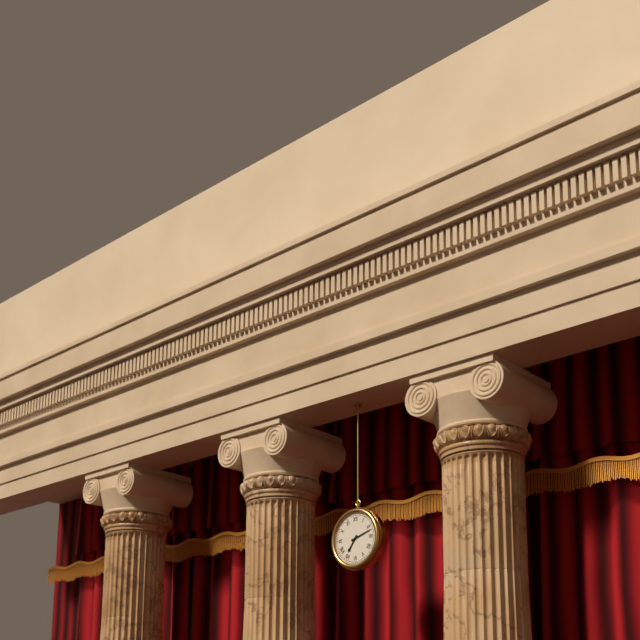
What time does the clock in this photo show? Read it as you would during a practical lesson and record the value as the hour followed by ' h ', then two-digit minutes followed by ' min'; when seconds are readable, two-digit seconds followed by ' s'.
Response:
7 h 12 min
